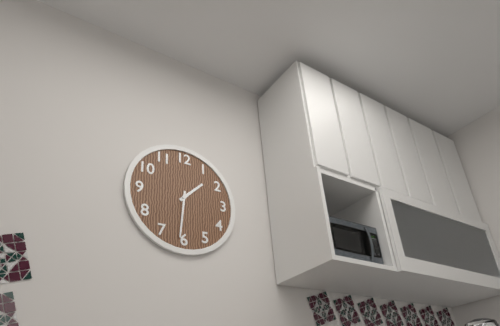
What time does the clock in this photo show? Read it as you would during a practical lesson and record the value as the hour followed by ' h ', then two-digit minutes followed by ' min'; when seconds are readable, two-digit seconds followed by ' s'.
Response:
1 h 31 min
